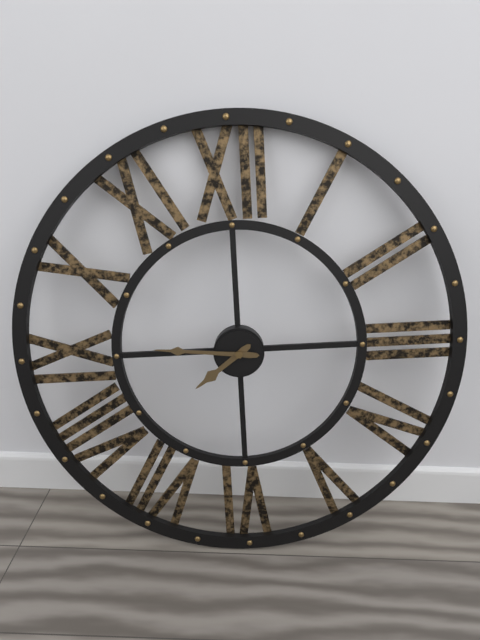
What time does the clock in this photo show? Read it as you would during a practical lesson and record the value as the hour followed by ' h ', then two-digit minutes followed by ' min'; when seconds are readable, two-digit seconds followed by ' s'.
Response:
7 h 46 min
